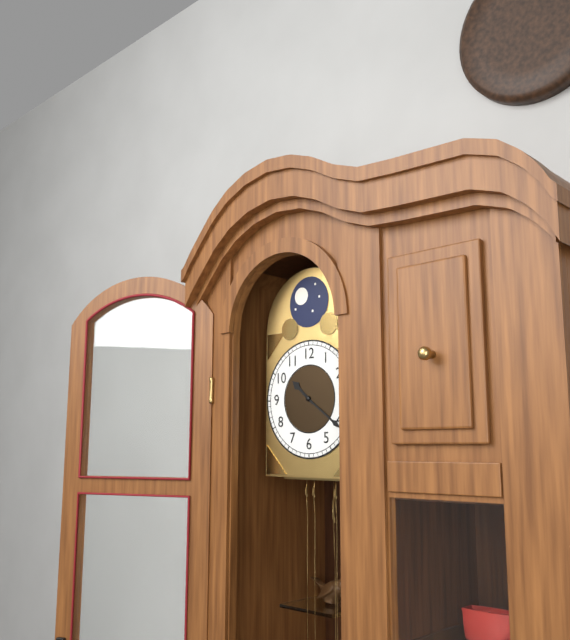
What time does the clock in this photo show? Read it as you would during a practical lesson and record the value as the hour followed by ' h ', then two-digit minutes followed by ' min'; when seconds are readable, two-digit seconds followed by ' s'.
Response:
10 h 21 min
